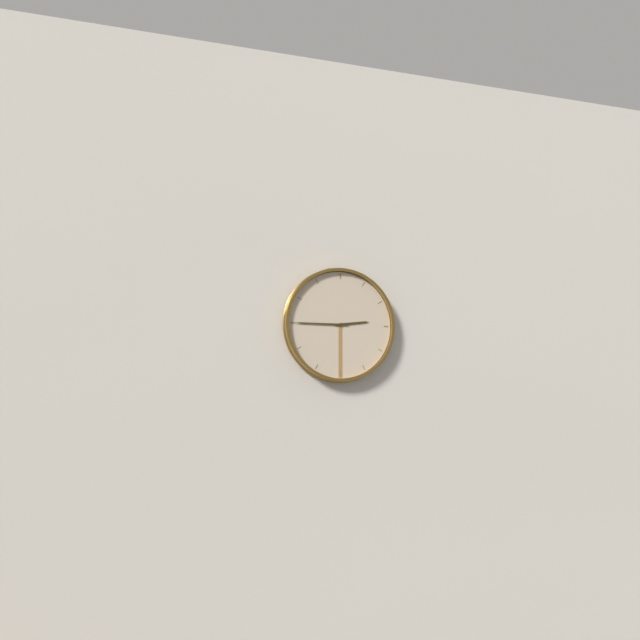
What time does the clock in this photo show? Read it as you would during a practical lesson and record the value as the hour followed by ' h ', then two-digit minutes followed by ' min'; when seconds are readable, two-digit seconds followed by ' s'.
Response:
2 h 45 min
